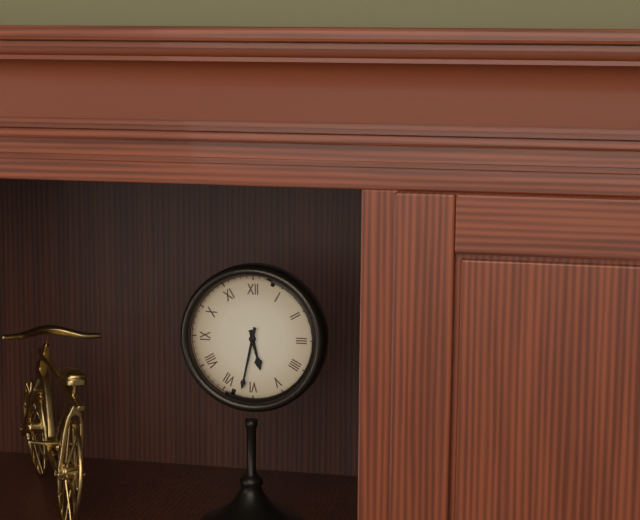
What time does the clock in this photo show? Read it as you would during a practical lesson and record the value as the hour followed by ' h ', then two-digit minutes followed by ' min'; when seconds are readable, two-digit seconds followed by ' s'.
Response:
5 h 32 min
